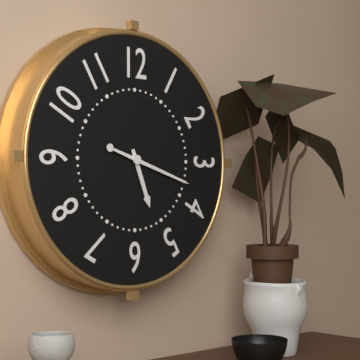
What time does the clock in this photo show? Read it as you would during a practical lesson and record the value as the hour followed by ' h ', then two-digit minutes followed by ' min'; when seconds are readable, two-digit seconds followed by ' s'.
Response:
5 h 18 min
